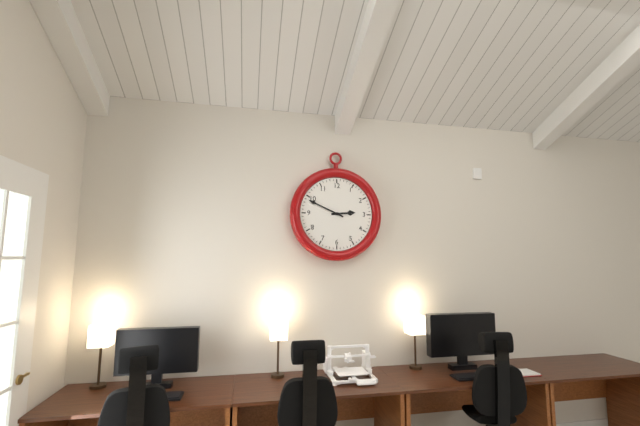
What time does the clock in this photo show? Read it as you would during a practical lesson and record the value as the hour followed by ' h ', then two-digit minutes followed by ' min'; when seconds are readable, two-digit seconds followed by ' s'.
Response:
2 h 49 min
